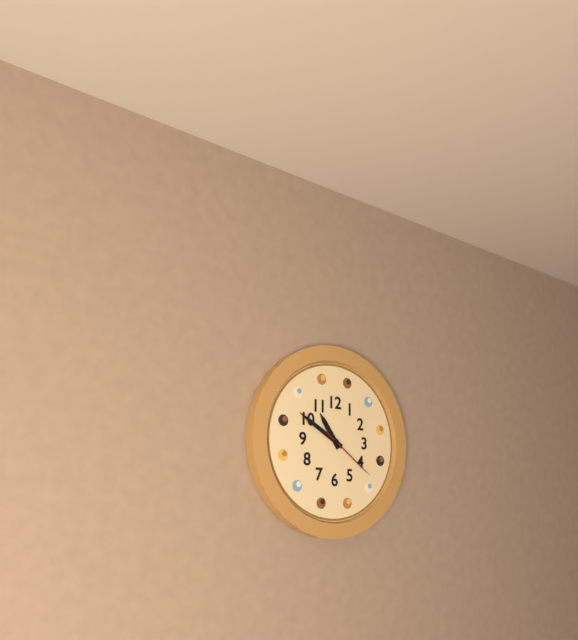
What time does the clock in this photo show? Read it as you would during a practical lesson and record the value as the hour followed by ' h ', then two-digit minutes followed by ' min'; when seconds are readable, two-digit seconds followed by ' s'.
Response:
10 h 50 min 21 s
